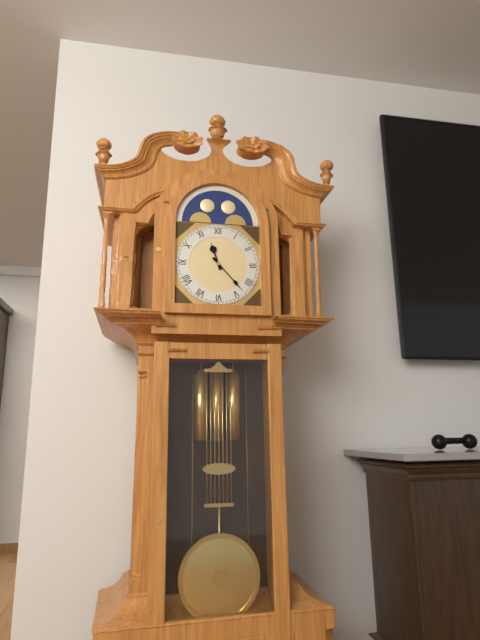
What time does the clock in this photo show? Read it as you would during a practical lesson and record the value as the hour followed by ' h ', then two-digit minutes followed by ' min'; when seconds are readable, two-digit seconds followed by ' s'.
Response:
11 h 23 min
